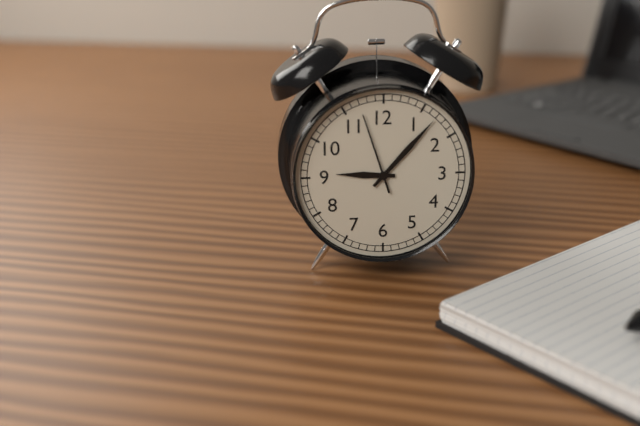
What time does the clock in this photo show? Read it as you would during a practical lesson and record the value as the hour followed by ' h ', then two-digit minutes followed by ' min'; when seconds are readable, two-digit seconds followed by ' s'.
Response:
9 h 07 min 57 s
